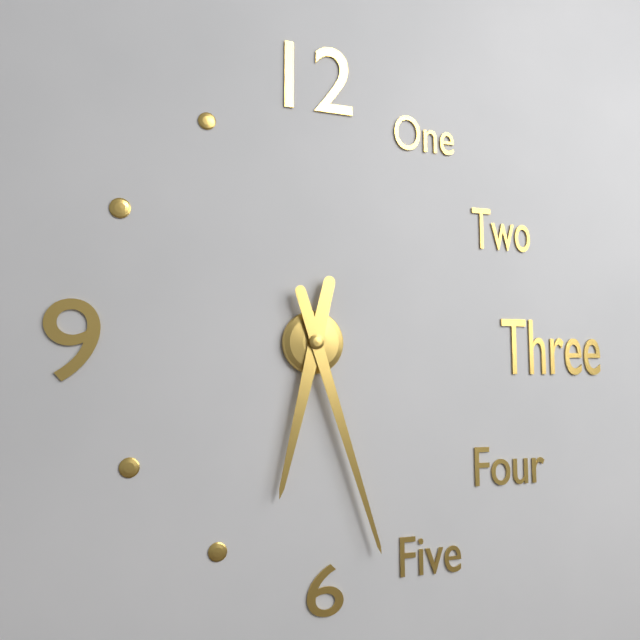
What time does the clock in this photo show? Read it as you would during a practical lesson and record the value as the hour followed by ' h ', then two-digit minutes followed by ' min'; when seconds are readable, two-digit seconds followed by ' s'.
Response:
6 h 27 min
